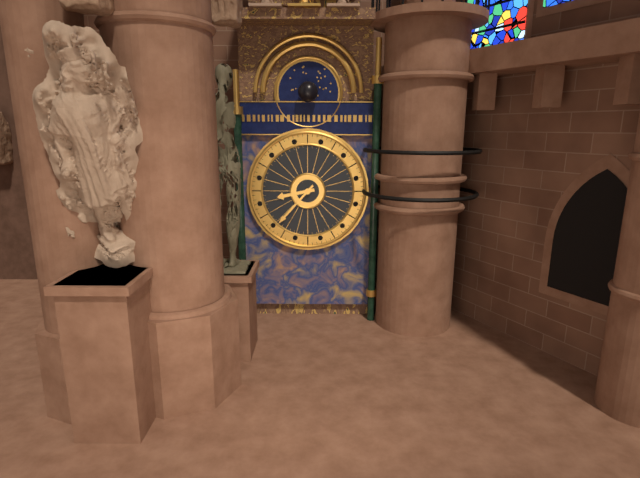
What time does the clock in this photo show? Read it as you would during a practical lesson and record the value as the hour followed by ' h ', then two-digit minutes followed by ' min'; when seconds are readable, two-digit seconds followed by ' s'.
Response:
8 h 37 min
